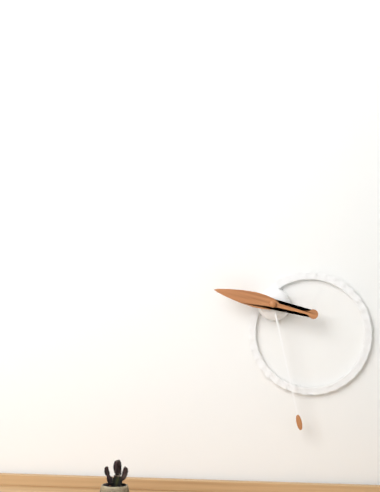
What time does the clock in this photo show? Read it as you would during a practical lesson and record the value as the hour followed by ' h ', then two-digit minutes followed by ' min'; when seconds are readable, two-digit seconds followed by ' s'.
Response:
9 h 28 min
